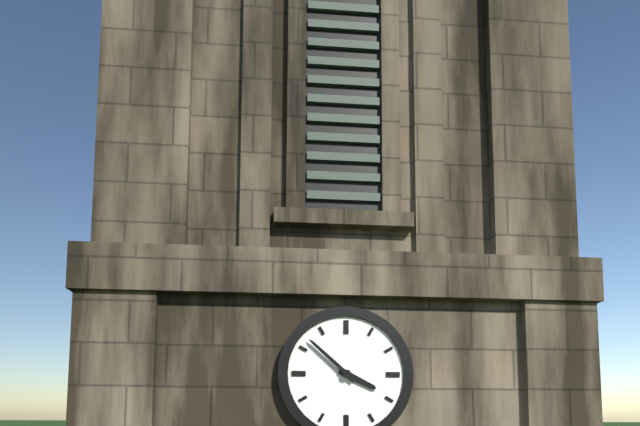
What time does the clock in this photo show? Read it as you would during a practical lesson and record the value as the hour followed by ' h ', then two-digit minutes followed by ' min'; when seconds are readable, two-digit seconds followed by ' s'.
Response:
3 h 52 min
